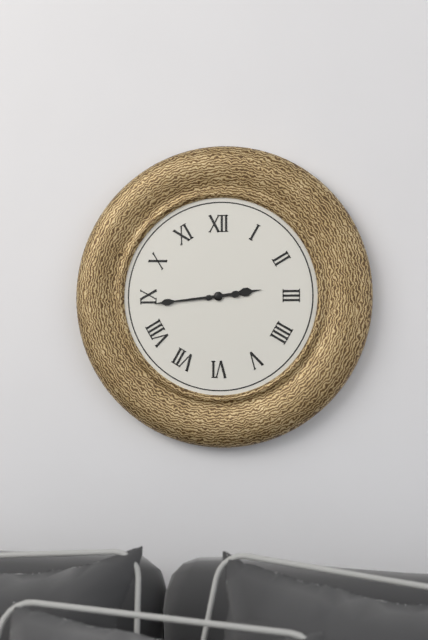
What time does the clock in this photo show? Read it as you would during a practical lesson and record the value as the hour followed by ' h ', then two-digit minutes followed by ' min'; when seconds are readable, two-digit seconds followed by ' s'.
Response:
2 h 44 min
